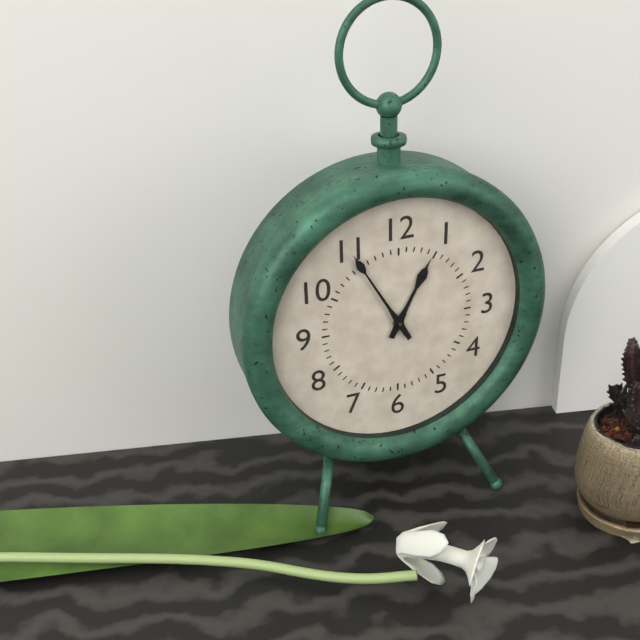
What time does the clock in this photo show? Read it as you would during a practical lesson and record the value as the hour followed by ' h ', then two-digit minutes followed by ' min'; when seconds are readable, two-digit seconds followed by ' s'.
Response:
12 h 55 min
